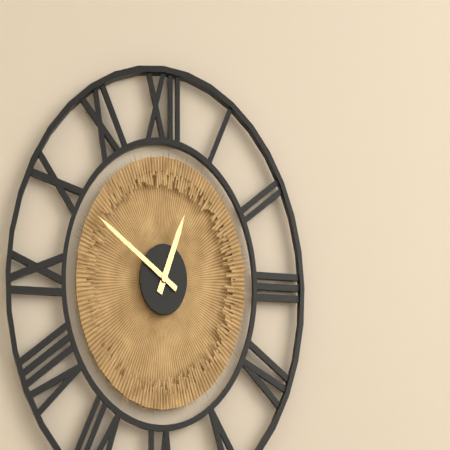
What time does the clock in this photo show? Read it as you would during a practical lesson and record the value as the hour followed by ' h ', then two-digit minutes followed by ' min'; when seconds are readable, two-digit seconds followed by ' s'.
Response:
12 h 50 min
